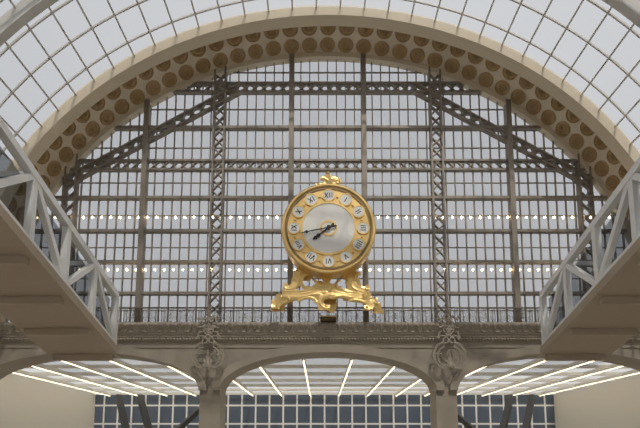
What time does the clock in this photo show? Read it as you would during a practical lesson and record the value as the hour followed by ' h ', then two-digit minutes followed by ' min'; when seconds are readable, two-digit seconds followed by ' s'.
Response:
7 h 43 min
